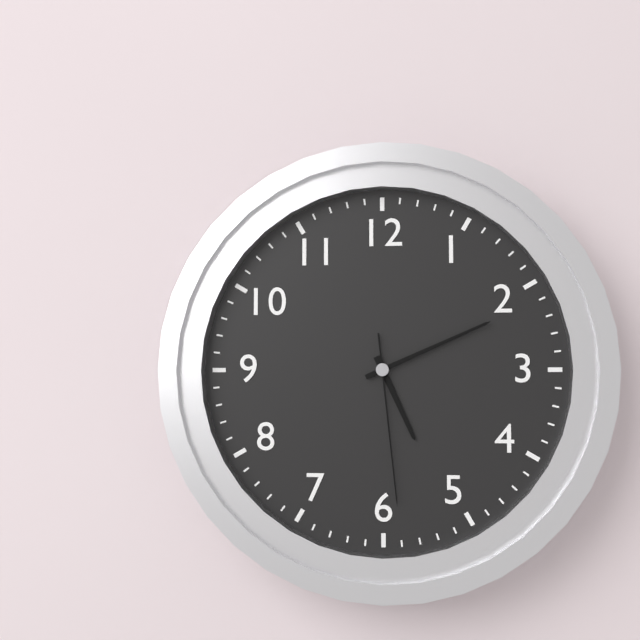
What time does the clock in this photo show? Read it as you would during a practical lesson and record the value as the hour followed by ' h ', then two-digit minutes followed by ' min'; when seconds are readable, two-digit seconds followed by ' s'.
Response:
5 h 11 min 29 s
